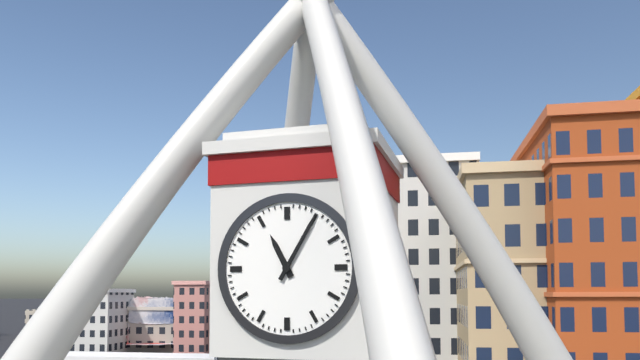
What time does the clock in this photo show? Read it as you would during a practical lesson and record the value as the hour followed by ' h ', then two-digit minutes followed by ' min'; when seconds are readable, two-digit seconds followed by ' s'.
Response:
11 h 05 min
